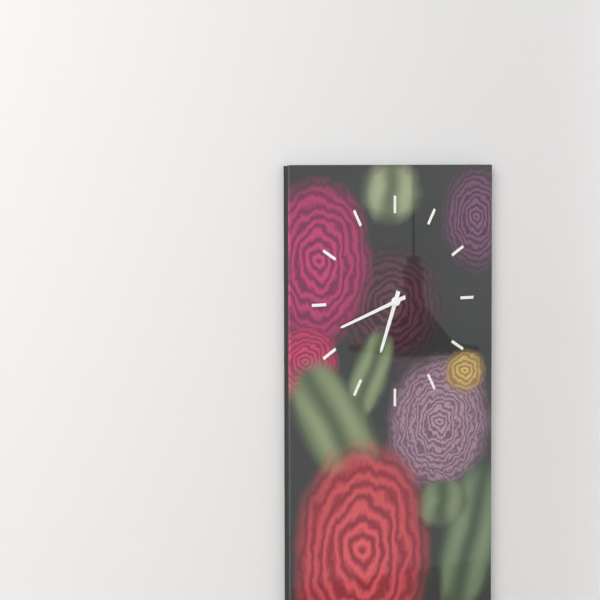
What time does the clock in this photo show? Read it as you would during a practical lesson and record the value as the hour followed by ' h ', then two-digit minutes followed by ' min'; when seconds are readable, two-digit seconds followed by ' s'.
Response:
6 h 42 min
